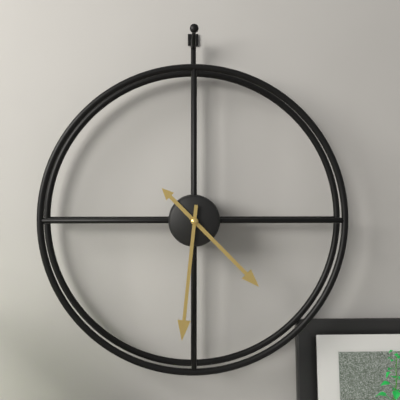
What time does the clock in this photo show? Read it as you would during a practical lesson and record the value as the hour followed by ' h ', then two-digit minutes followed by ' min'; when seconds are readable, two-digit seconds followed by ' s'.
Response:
4 h 31 min
